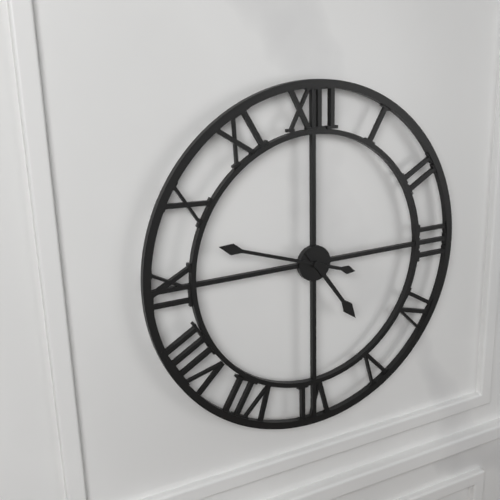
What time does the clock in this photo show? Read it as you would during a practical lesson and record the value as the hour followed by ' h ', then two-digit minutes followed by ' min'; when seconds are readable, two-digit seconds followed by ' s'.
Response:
4 h 48 min
